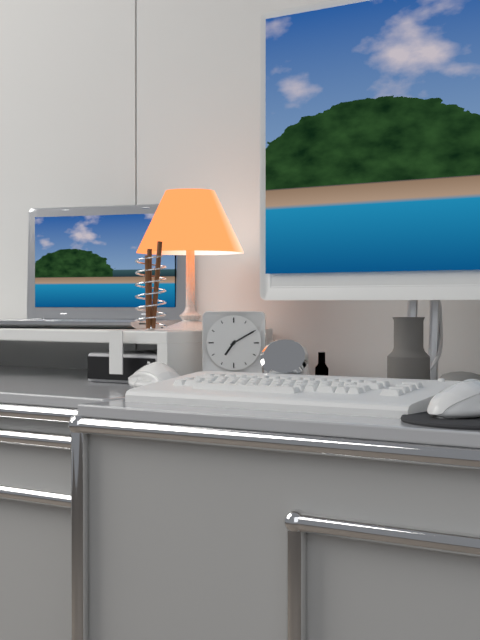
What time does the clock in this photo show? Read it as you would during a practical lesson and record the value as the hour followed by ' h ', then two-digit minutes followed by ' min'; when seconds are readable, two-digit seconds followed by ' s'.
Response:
7 h 10 min
